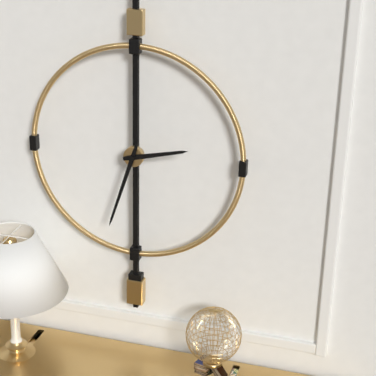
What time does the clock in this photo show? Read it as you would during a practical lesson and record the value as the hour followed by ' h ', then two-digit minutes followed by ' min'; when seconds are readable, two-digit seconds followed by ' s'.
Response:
2 h 33 min
